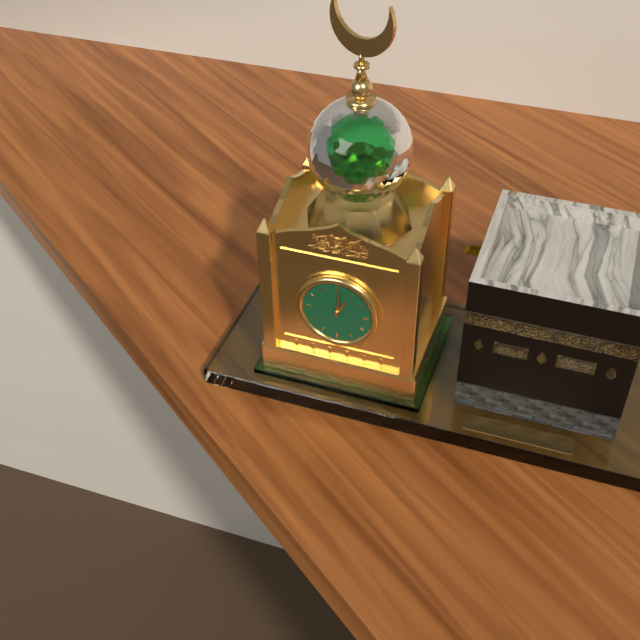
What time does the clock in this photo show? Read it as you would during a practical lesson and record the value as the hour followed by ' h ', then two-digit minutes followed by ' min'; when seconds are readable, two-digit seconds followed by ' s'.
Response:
1 h 01 min
